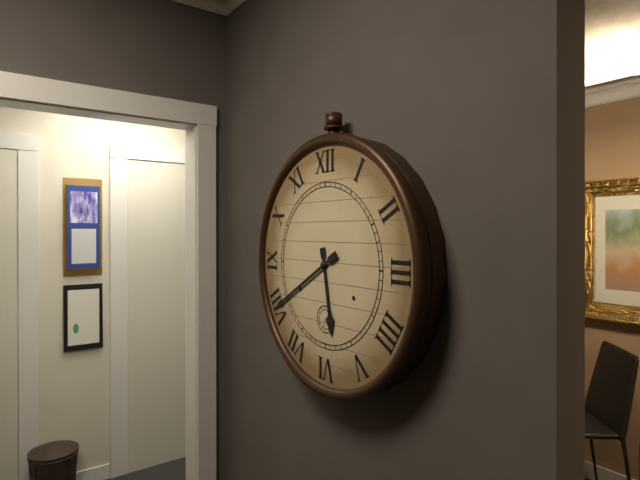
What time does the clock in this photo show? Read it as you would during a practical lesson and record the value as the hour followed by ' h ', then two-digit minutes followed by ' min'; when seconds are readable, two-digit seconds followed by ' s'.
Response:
5 h 40 min
